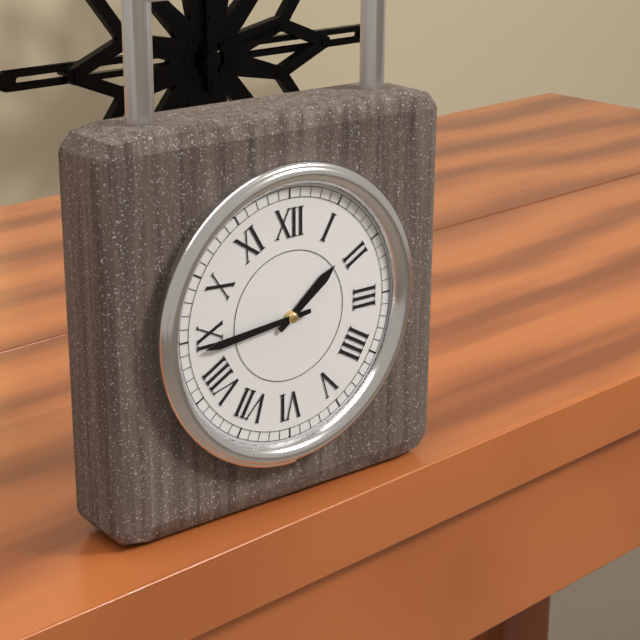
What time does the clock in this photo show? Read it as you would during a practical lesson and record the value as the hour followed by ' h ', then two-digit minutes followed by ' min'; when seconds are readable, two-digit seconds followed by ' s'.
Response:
1 h 44 min
